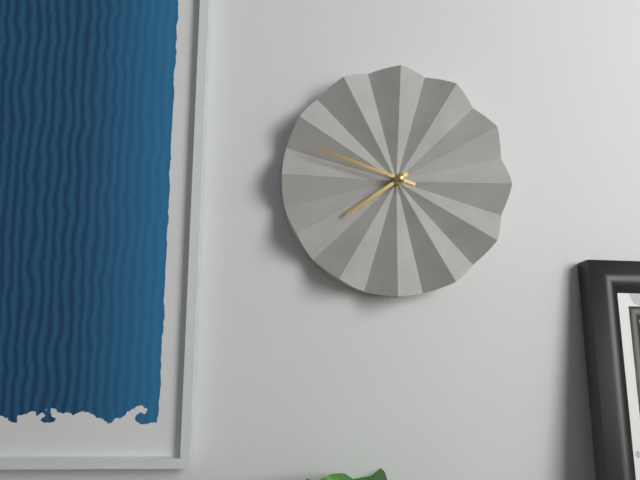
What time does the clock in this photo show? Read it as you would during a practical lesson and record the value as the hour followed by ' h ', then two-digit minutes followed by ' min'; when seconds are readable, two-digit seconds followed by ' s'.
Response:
7 h 48 min
